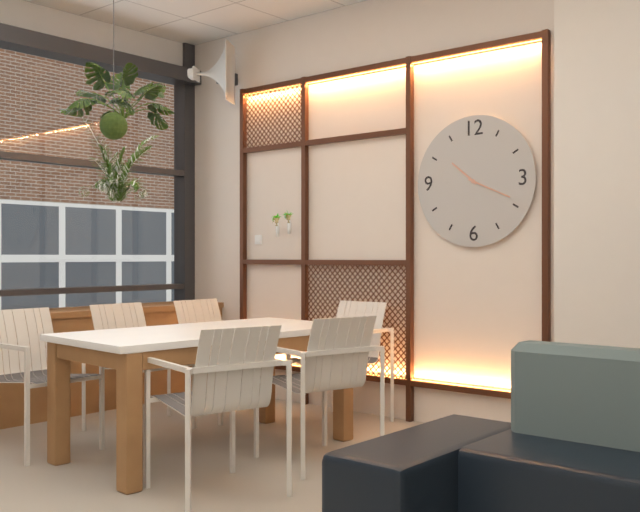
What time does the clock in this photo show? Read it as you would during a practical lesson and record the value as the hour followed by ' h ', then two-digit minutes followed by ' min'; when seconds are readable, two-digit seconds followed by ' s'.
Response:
10 h 19 min
